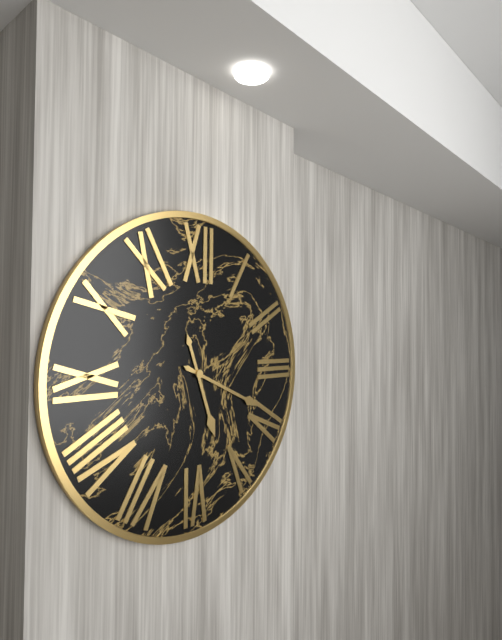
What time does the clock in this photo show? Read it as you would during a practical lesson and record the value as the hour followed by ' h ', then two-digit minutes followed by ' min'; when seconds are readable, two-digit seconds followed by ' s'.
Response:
5 h 19 min
